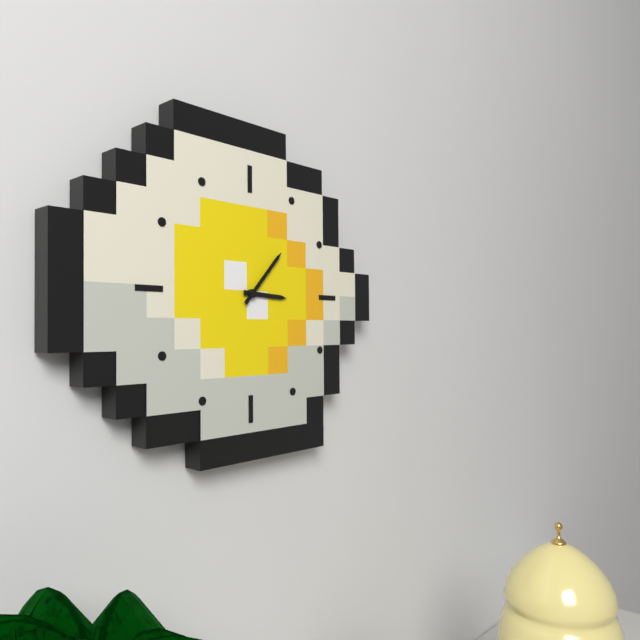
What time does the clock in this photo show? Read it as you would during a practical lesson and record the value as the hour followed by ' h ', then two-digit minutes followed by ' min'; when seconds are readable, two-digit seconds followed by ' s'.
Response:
3 h 07 min
